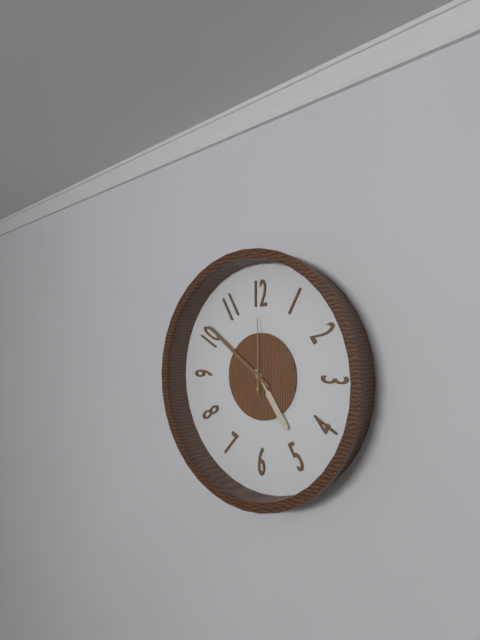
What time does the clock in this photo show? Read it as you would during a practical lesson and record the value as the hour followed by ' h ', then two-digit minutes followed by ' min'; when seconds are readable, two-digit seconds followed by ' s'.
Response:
4 h 51 min 00 s
